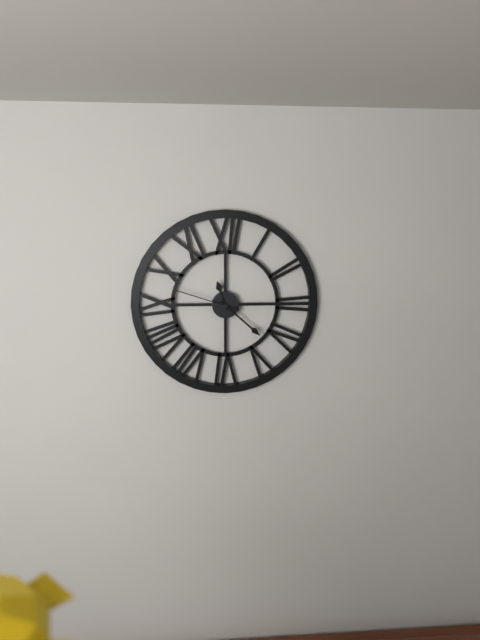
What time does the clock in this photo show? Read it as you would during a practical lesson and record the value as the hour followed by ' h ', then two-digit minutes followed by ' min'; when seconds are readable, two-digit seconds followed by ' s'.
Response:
11 h 22 min 48 s
